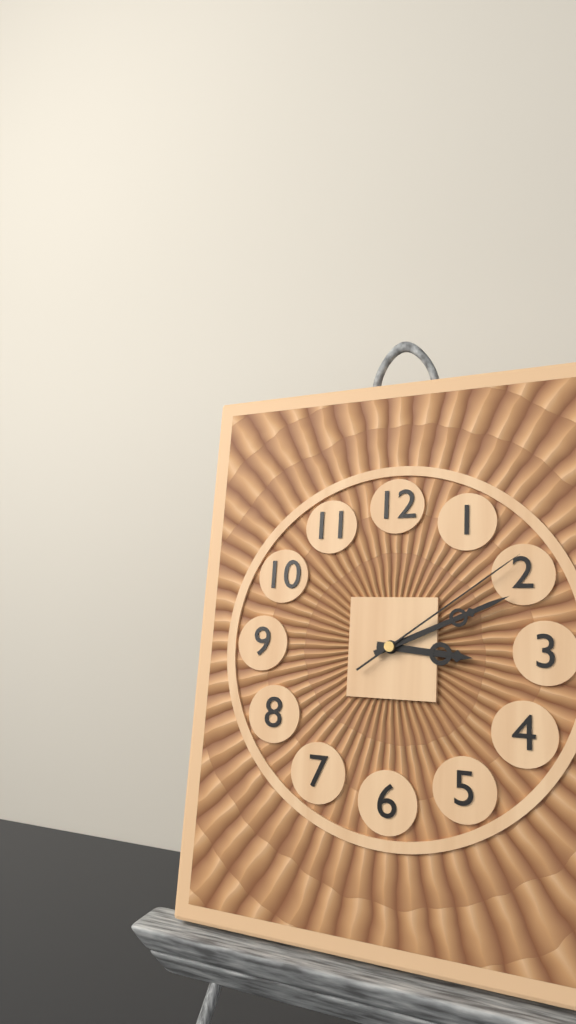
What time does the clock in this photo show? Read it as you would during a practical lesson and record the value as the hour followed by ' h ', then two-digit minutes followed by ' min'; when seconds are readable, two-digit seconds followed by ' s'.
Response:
3 h 11 min 09 s
